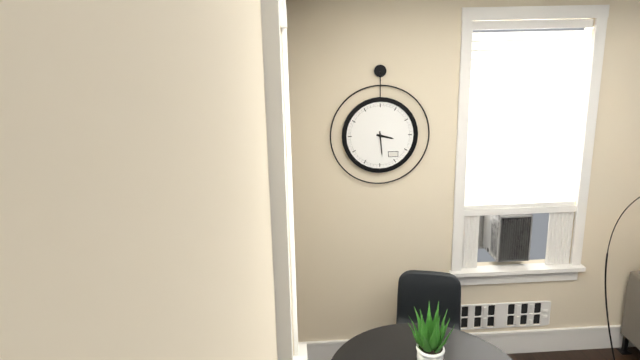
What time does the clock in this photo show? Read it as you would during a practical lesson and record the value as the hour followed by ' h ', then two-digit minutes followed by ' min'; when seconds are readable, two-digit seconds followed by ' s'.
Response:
3 h 29 min
